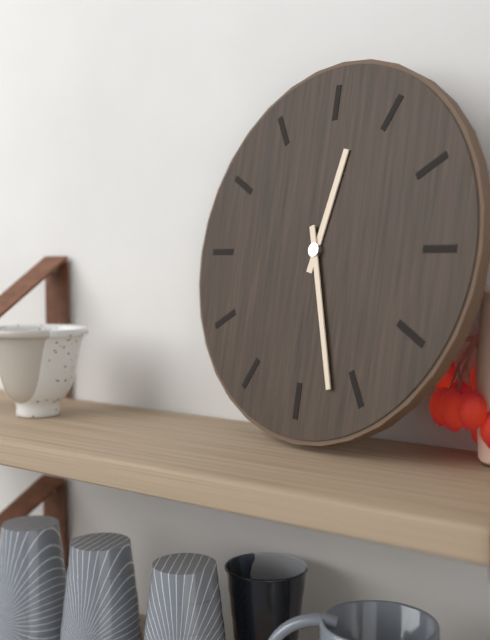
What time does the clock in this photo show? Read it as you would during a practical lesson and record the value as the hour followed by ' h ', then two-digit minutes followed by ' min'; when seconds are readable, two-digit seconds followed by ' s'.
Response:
12 h 27 min
